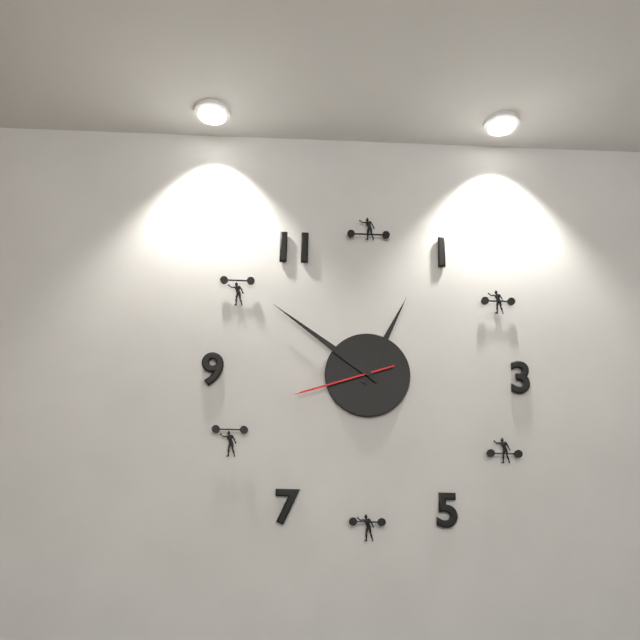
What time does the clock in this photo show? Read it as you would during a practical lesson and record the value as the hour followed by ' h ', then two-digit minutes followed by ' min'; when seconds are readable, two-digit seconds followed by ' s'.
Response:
12 h 51 min 42 s
